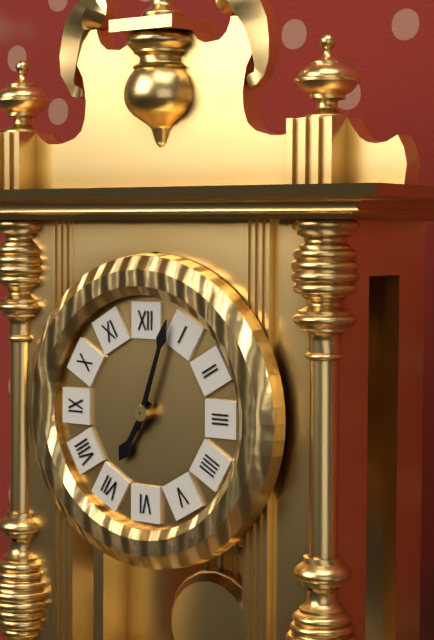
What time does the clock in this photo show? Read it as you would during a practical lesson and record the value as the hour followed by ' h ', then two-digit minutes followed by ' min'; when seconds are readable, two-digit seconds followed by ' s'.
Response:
7 h 03 min
